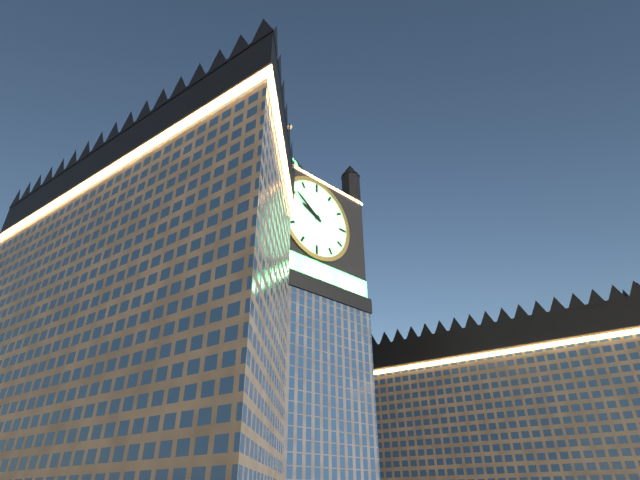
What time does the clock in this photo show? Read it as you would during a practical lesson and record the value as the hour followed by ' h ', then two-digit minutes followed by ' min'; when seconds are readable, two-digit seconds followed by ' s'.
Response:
9 h 51 min
